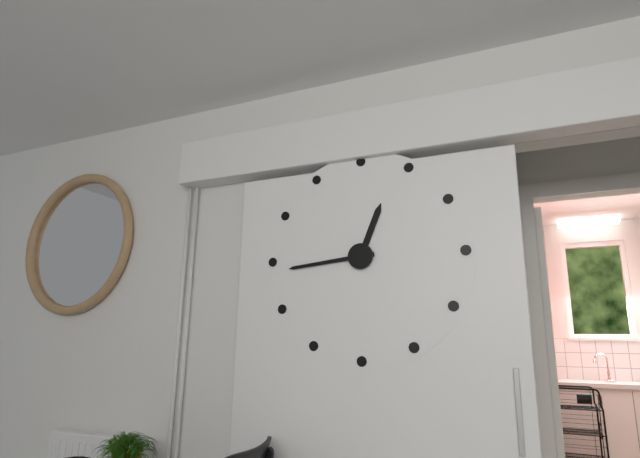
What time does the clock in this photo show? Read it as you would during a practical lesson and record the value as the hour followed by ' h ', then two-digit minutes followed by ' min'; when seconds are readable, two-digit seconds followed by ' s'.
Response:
12 h 44 min
